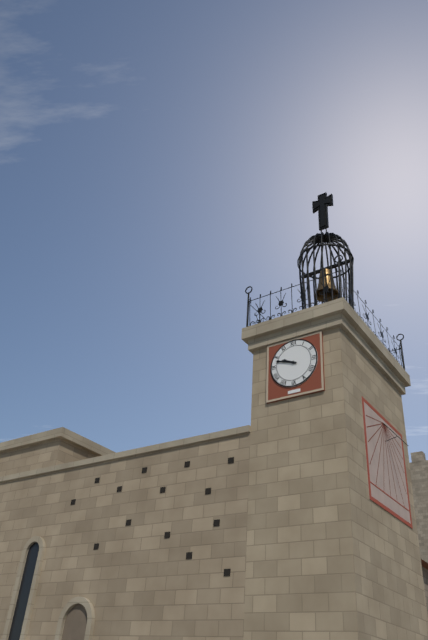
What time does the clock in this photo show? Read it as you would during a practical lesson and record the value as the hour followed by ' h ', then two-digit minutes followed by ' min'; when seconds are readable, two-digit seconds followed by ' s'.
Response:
9 h 48 min
